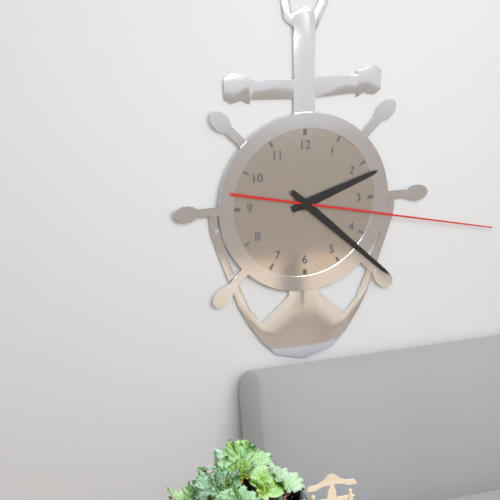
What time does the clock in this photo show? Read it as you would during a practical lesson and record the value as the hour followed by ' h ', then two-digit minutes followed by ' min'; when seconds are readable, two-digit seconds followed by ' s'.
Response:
2 h 22 min 17 s
